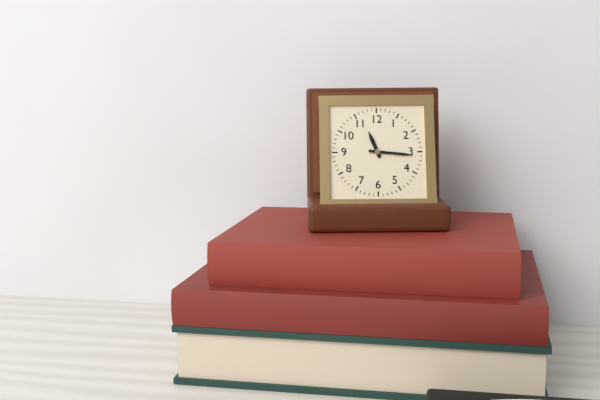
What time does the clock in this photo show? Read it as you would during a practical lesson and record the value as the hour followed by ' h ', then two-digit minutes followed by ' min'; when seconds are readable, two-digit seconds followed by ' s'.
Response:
11 h 16 min
